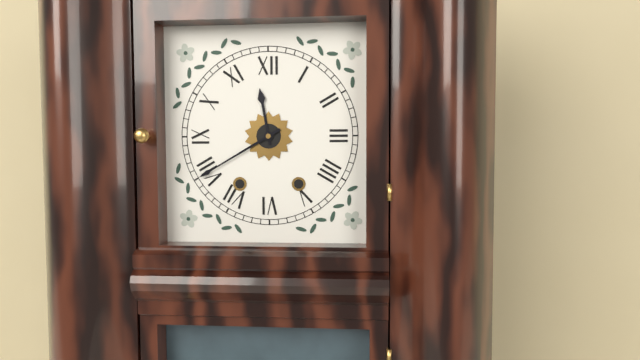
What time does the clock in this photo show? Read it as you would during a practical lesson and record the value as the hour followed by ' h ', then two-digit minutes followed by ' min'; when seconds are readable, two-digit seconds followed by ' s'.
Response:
11 h 40 min
